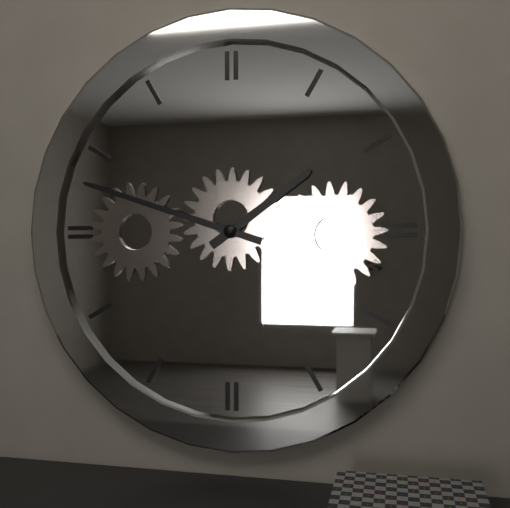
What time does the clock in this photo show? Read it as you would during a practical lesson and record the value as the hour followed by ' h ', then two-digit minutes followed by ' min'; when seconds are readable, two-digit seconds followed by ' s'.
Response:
1 h 48 min
